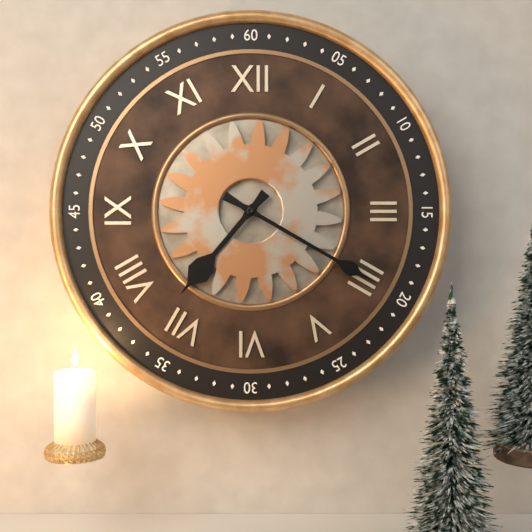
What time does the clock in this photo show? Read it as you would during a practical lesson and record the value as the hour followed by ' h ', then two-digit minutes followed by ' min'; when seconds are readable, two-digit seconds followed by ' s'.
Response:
7 h 20 min
